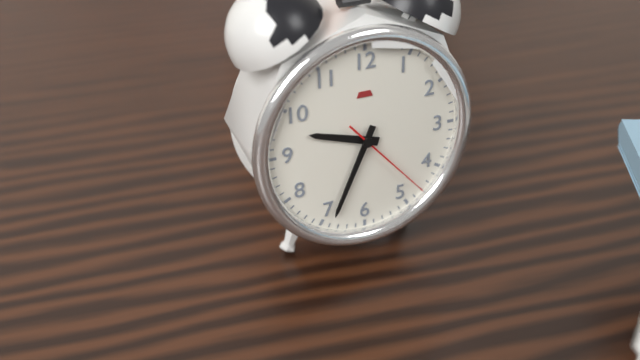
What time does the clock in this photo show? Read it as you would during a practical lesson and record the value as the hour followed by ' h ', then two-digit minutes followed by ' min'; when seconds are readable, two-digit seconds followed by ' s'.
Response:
9 h 34 min 23 s
